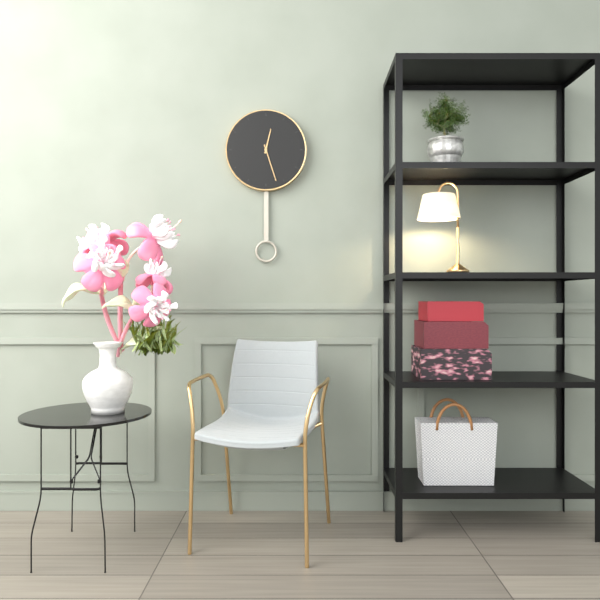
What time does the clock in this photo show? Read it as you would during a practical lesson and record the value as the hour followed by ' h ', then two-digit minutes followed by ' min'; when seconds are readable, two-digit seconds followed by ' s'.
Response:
12 h 27 min
